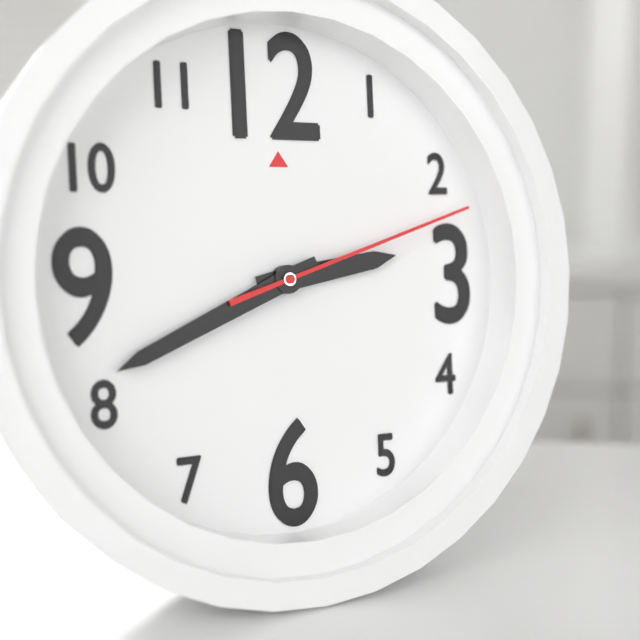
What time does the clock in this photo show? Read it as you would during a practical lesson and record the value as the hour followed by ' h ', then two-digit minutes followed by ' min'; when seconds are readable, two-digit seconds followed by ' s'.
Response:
2 h 41 min 12 s
